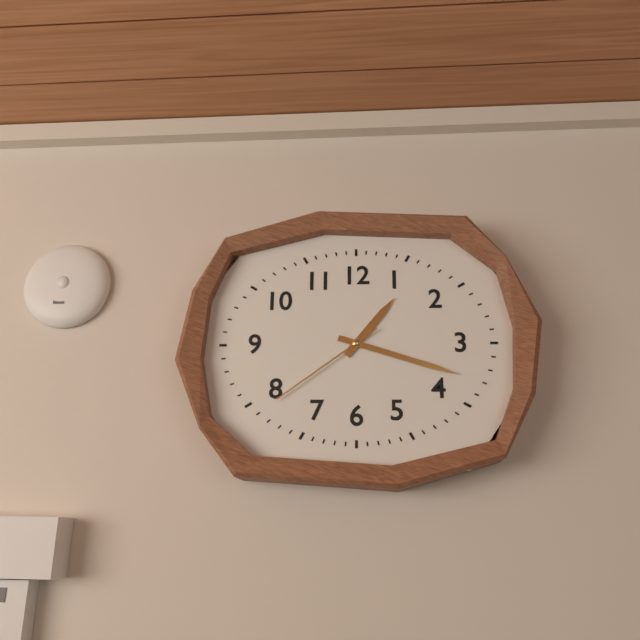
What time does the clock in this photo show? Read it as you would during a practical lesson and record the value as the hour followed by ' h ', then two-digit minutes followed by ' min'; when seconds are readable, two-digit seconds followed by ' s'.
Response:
1 h 18 min 39 s
